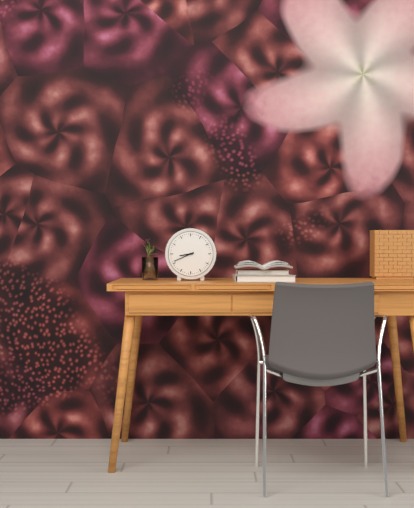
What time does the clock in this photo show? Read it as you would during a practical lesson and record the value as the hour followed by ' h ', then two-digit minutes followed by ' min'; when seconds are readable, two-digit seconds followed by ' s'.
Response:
8 h 41 min
